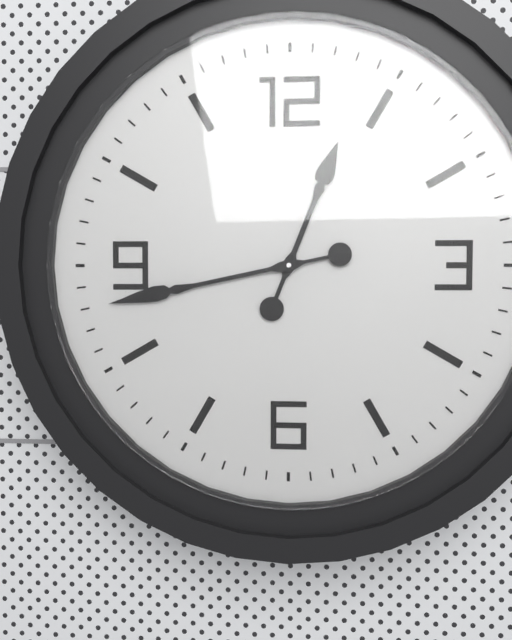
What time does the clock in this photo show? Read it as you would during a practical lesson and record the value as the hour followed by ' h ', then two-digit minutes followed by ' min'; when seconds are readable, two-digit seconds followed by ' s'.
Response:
12 h 43 min
